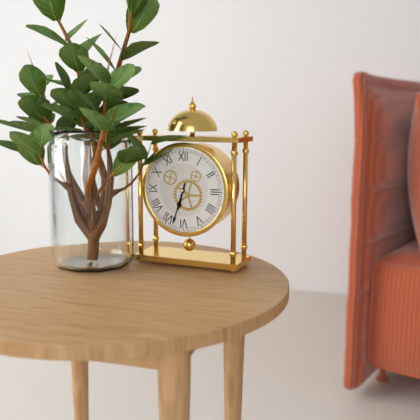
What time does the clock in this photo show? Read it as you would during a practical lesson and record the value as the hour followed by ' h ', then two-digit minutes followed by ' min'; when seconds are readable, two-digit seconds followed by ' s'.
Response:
6 h 33 min
